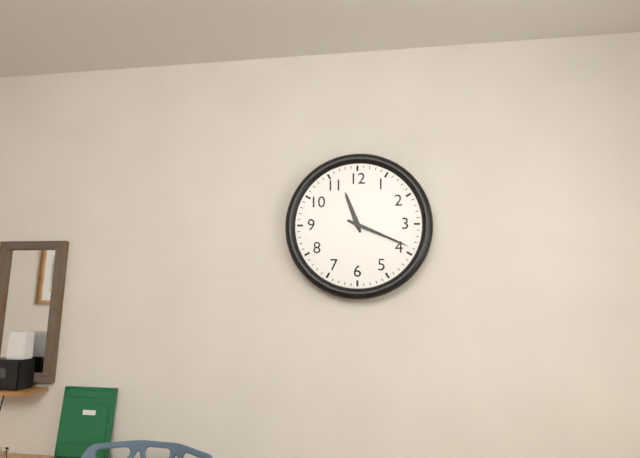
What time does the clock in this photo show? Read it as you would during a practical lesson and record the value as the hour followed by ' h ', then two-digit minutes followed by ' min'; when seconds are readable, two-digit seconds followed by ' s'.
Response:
11 h 19 min
